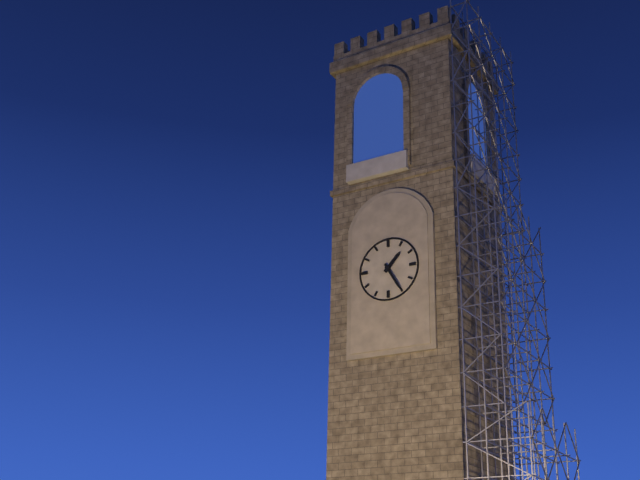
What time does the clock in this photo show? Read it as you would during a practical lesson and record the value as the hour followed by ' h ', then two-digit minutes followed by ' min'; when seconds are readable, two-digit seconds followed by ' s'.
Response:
1 h 25 min
